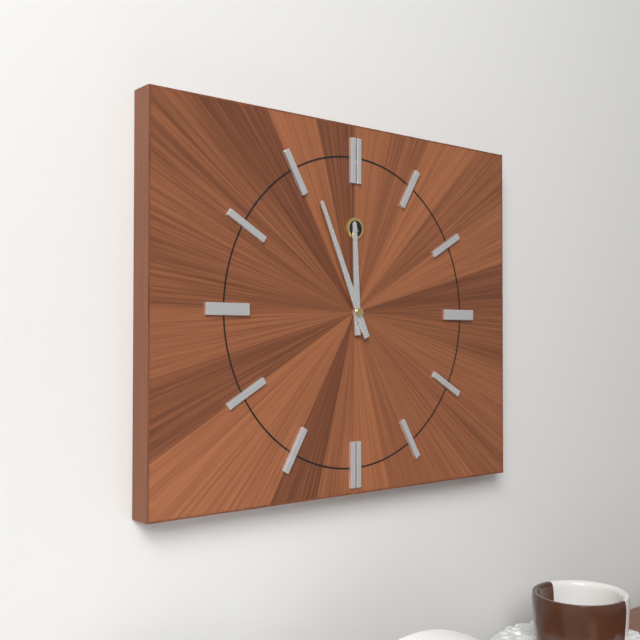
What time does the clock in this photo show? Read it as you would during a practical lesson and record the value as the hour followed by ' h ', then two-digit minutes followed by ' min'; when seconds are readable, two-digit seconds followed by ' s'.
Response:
11 h 56 min
